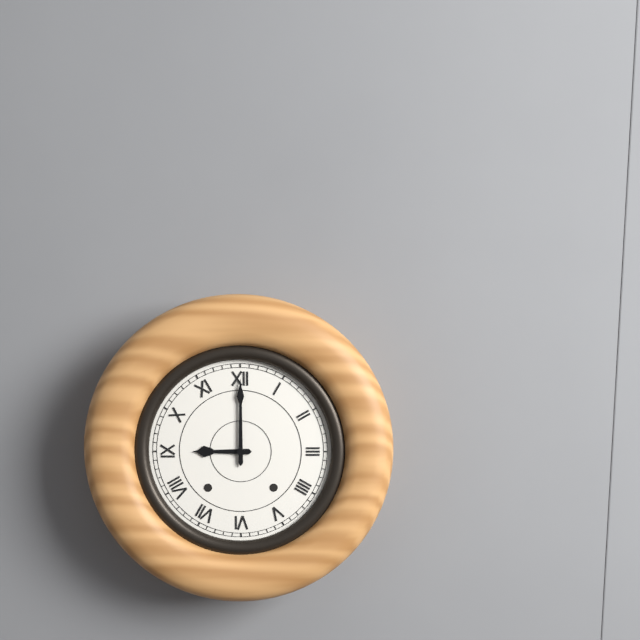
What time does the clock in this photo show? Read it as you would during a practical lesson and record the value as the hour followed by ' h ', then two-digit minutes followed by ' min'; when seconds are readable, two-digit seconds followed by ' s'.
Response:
9 h 00 min
